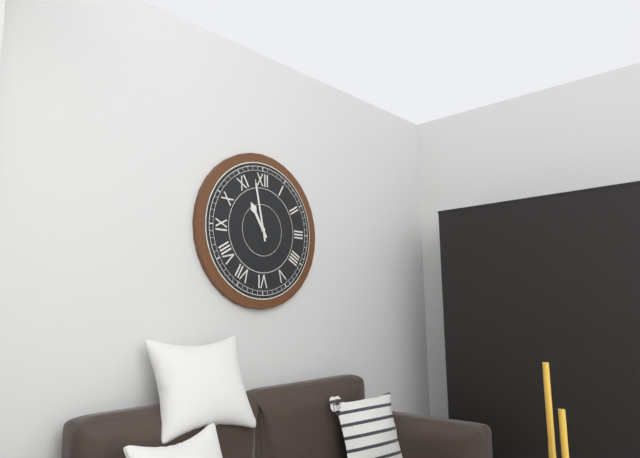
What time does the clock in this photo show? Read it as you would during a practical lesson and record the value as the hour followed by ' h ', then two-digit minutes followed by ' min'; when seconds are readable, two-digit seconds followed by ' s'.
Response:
10 h 58 min
